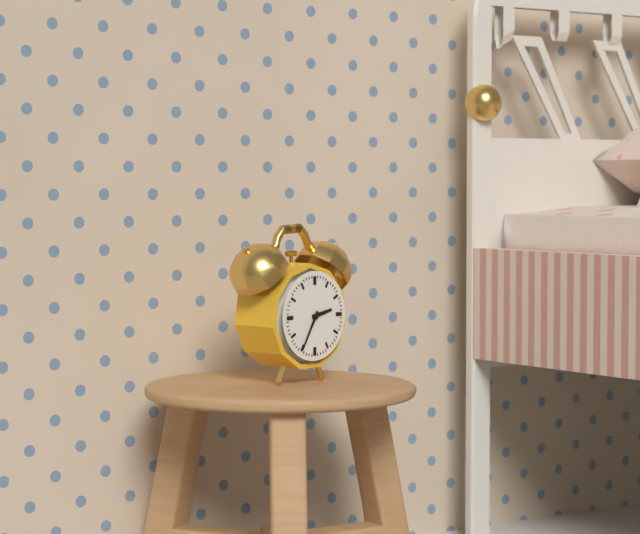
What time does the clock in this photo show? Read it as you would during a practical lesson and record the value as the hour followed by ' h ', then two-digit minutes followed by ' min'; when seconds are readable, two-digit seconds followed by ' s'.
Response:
2 h 35 min
